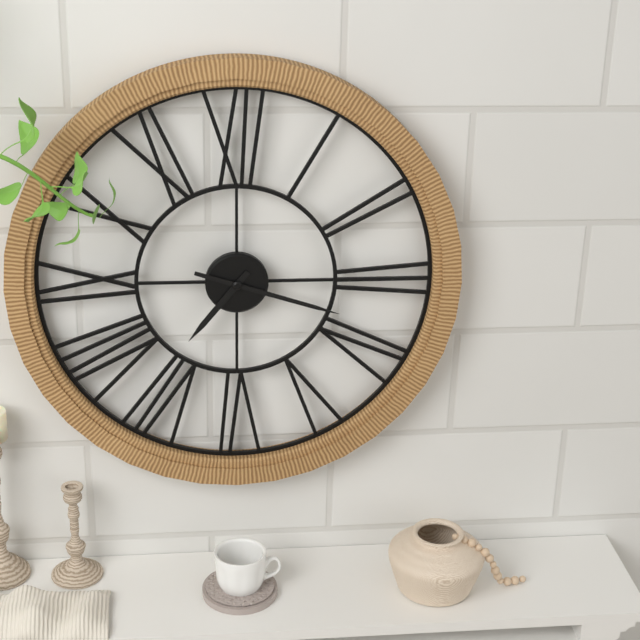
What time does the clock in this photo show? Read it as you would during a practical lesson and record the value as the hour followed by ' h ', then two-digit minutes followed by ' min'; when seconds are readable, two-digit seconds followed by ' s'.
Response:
7 h 18 min
